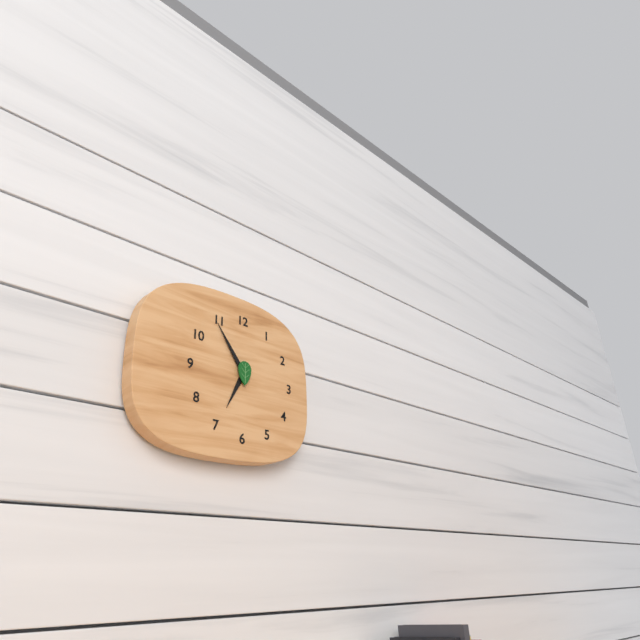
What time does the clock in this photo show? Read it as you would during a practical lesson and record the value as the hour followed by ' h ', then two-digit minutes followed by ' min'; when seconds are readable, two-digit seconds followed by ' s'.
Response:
6 h 54 min
